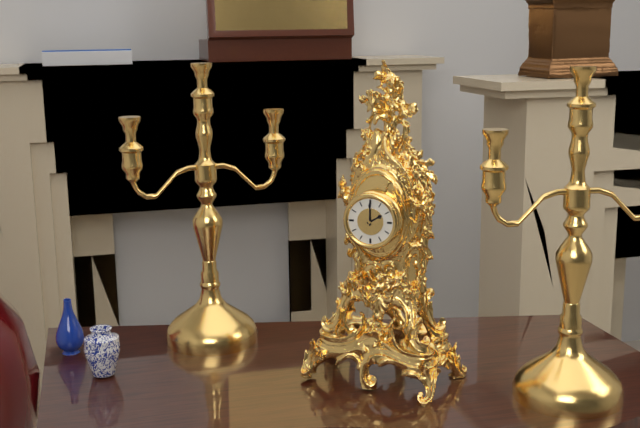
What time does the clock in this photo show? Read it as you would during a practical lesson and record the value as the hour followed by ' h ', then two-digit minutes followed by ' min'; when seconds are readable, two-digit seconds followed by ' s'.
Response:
2 h 00 min
